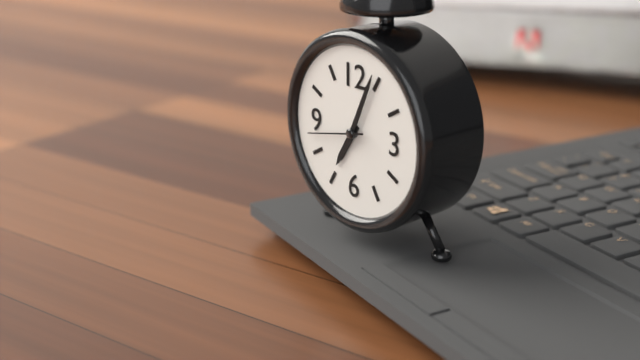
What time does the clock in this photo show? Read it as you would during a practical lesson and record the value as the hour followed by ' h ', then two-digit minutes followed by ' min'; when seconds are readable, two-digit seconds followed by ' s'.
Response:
7 h 04 min 43 s
